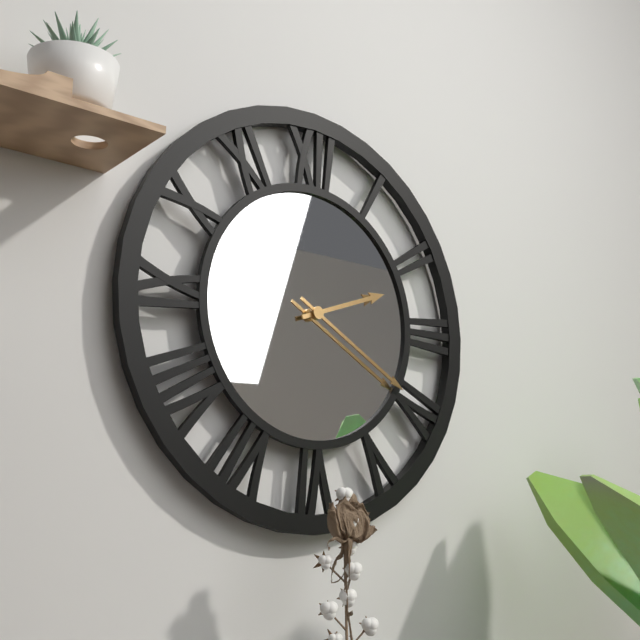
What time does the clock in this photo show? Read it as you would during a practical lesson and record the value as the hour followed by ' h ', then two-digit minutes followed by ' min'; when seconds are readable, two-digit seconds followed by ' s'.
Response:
2 h 20 min
